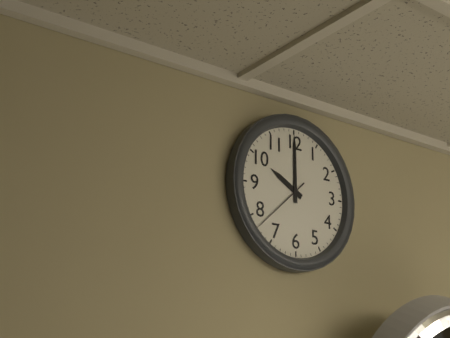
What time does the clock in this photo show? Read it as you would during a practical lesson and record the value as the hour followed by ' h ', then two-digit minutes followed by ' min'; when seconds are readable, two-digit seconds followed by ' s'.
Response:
10 h 00 min
